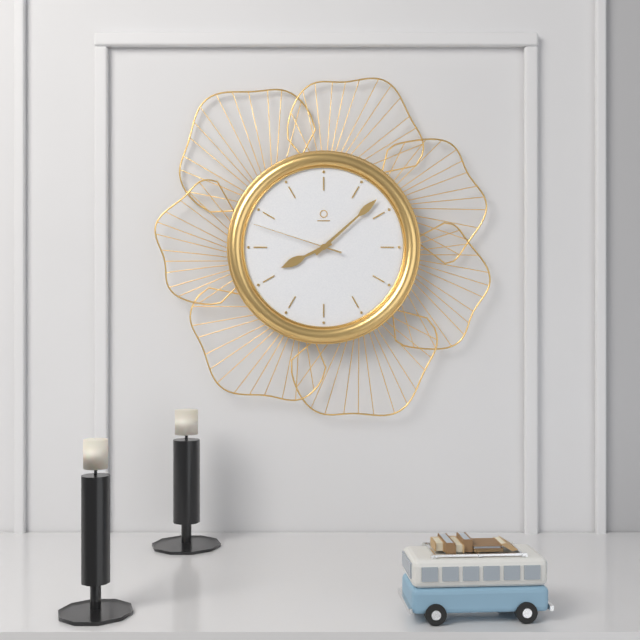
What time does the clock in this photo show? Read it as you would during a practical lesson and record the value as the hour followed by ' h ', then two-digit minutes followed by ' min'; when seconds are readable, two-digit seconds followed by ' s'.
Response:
8 h 08 min 48 s
